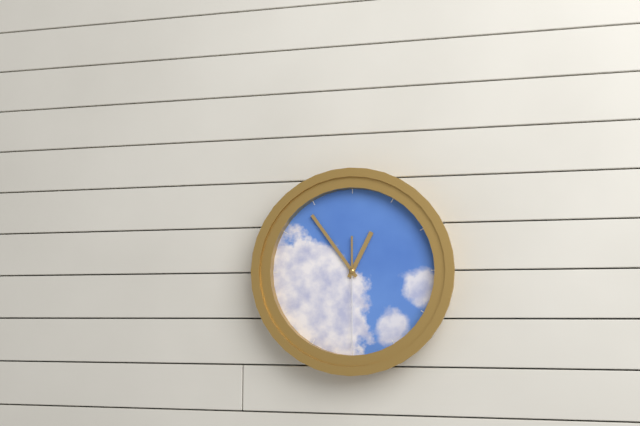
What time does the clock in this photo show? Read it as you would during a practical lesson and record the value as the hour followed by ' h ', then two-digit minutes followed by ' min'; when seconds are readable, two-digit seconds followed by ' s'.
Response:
12 h 54 min 30 s
